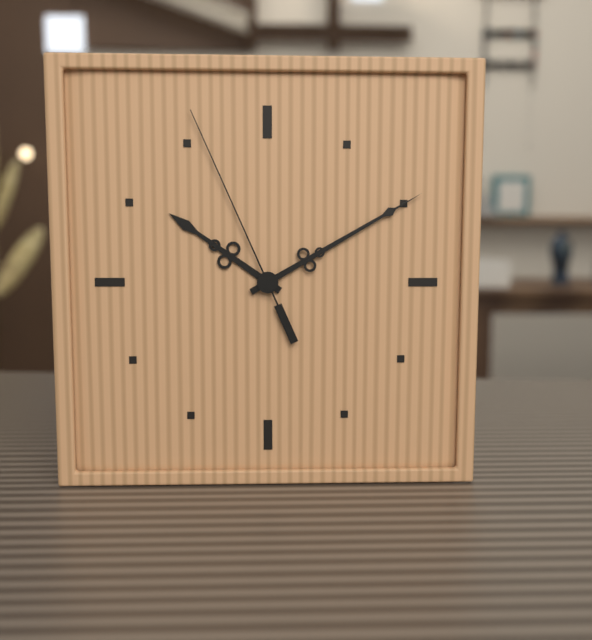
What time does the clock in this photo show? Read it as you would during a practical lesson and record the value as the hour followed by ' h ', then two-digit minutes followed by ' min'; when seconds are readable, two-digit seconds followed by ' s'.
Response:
10 h 10 min 56 s
